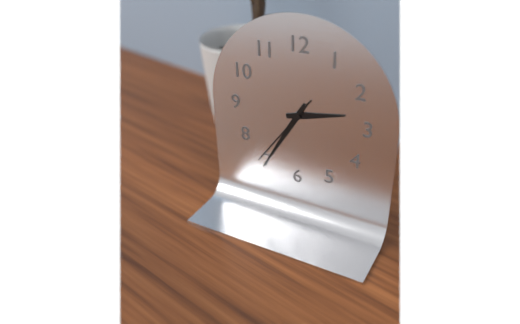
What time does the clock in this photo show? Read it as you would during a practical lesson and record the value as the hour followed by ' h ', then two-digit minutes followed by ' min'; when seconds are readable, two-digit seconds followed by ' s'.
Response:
2 h 35 min 36 s
